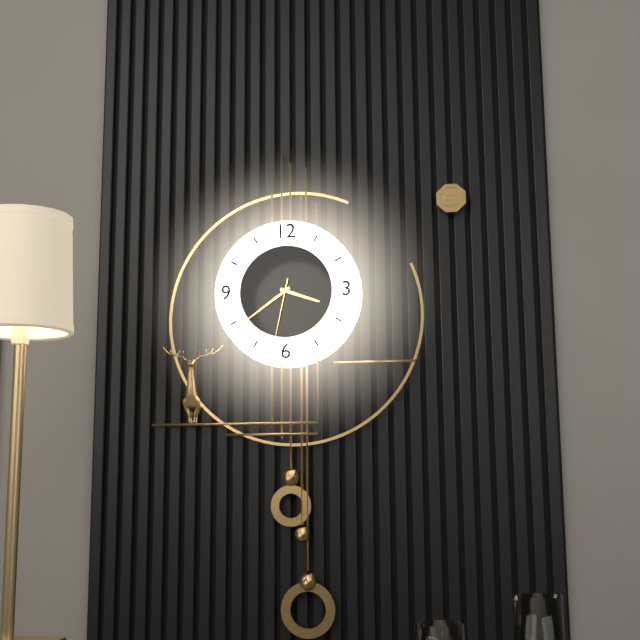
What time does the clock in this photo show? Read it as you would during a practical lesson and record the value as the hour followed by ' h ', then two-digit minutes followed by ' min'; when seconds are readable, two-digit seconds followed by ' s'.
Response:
3 h 39 min 32 s
